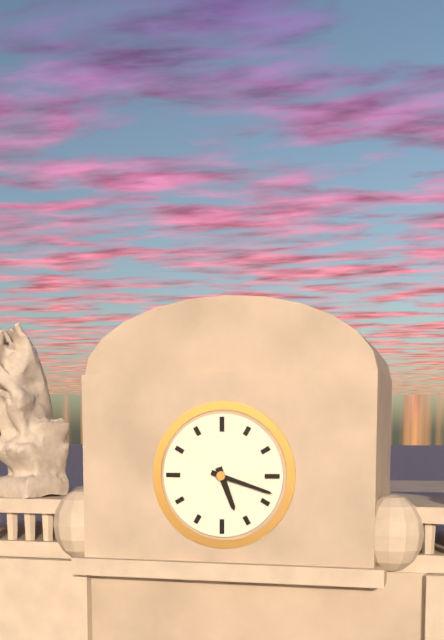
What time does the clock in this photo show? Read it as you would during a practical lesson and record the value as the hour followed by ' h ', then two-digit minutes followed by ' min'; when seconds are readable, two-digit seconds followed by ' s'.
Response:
5 h 18 min
